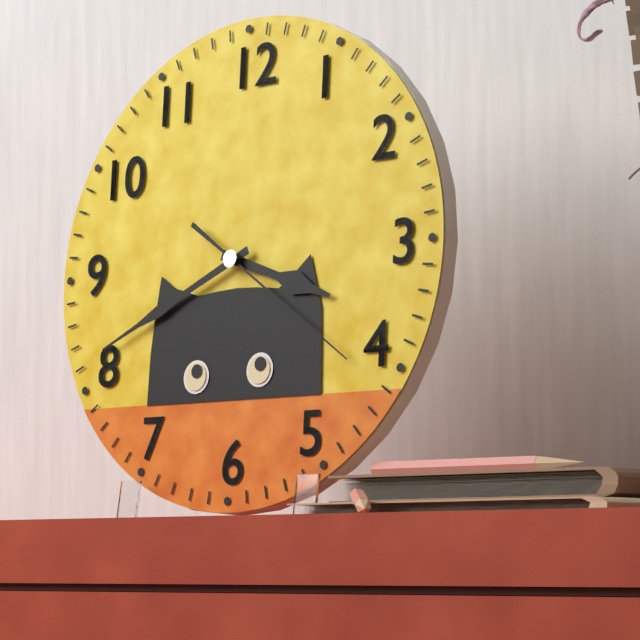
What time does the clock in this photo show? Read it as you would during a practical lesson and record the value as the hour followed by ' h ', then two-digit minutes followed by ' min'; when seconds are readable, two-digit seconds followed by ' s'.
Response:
3 h 41 min 21 s
